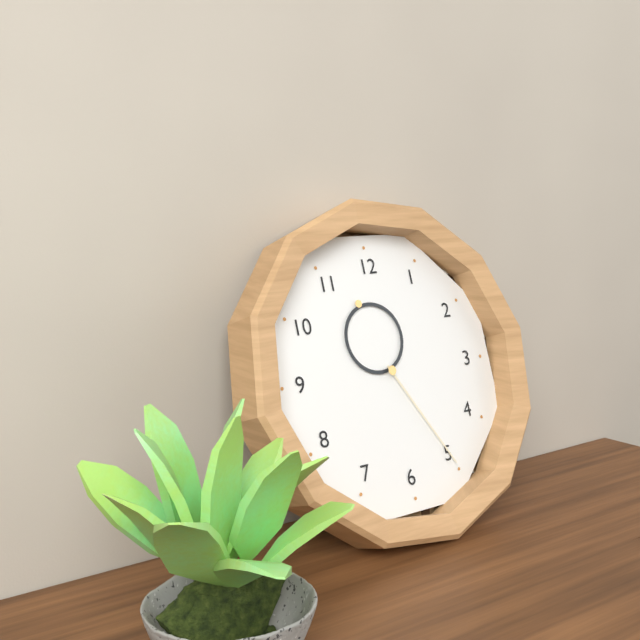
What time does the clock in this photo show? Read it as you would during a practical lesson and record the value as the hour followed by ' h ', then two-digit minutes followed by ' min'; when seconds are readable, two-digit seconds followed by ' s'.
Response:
11 h 25 min
